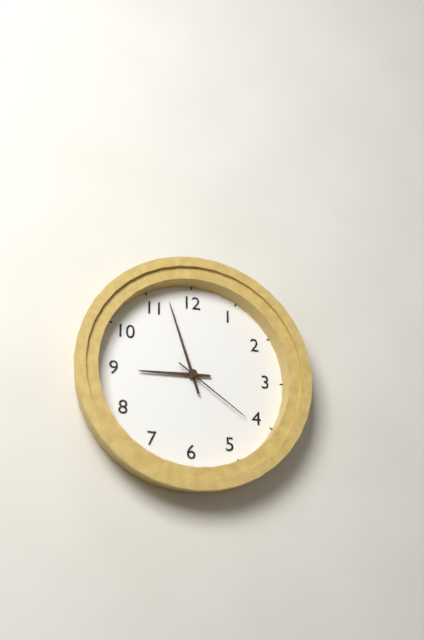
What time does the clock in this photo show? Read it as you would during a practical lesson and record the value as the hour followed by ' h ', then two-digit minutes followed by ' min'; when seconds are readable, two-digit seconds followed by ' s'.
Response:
8 h 57 min 21 s
